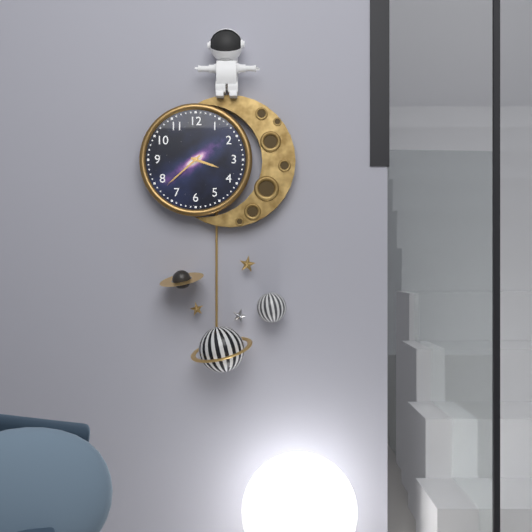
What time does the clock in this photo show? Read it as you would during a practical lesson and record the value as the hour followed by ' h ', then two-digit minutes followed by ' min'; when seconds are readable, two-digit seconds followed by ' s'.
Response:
3 h 38 min
